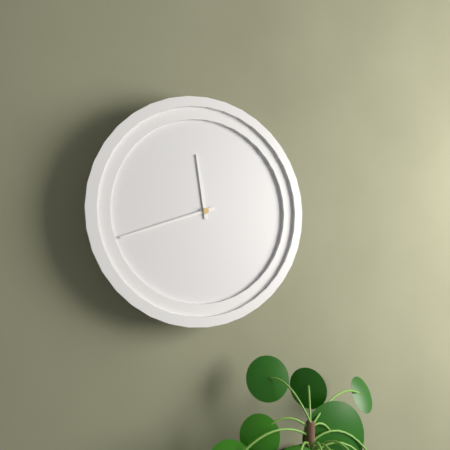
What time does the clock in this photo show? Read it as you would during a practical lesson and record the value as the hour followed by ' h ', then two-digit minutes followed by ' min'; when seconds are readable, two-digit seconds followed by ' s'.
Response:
11 h 42 min
